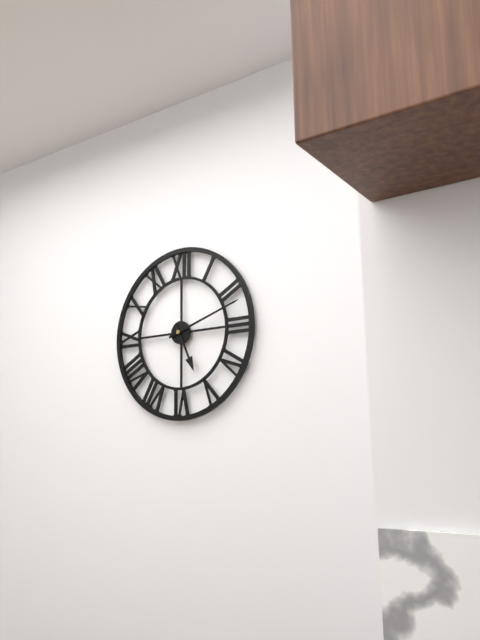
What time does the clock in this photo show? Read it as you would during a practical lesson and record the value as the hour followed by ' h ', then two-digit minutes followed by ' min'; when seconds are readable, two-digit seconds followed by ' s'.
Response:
5 h 12 min
